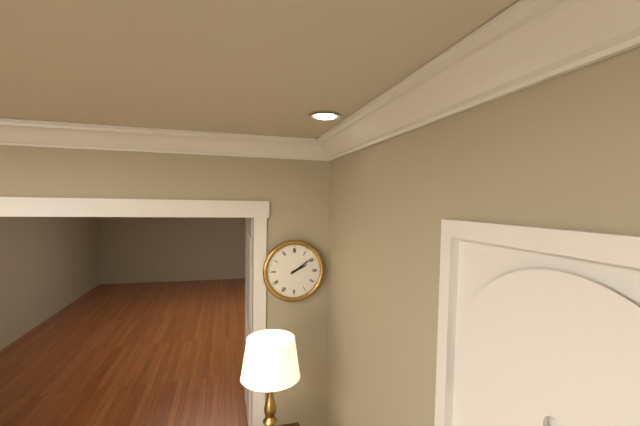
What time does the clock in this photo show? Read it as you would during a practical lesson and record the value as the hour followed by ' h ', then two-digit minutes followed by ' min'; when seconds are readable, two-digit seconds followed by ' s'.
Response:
2 h 09 min
